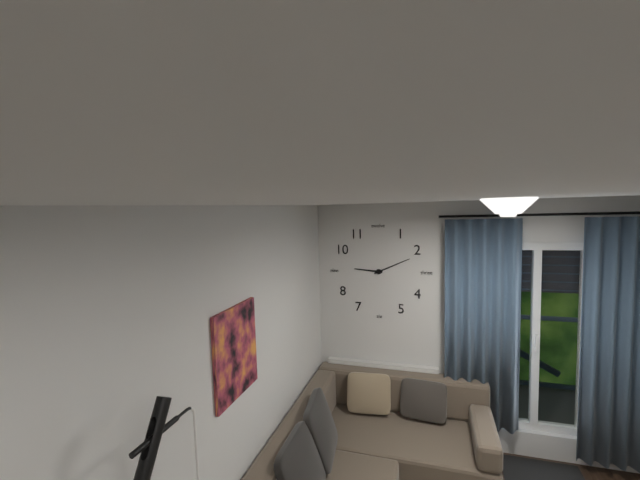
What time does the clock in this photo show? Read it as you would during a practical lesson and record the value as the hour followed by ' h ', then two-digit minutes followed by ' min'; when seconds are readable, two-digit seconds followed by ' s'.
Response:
9 h 11 min
